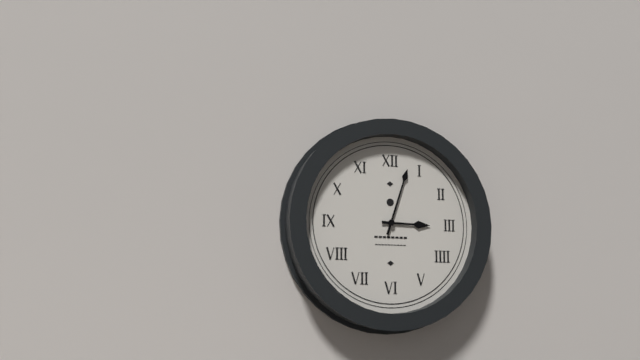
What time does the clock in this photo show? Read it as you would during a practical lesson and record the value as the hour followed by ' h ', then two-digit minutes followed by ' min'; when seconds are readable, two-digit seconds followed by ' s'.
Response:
3 h 03 min
